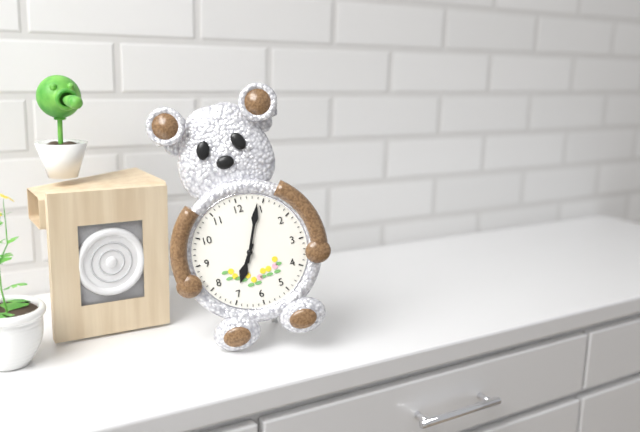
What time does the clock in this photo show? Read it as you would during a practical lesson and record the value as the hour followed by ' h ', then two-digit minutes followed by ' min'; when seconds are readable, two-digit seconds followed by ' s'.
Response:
7 h 04 min
